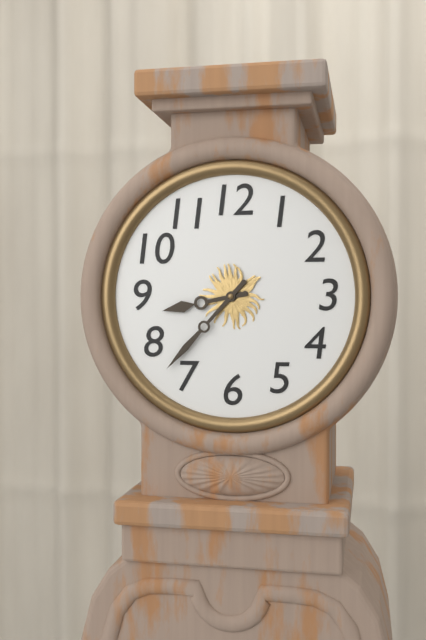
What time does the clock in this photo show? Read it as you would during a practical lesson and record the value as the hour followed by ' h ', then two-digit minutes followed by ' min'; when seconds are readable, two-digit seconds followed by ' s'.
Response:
8 h 37 min
